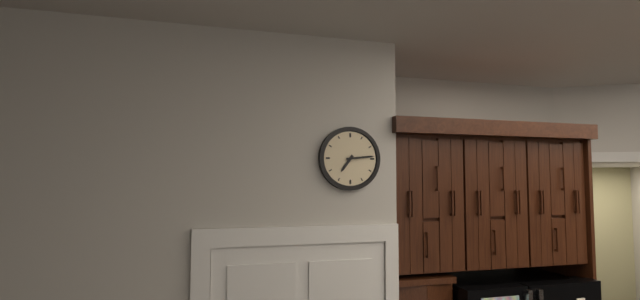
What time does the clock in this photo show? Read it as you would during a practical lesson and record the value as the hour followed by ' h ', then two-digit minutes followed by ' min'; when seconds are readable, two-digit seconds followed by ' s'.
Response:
7 h 14 min
